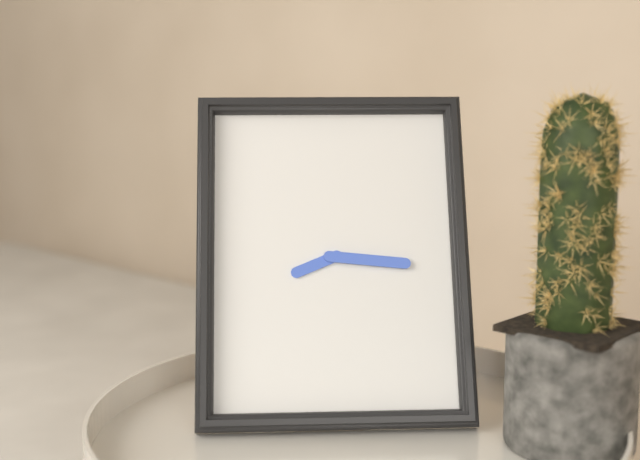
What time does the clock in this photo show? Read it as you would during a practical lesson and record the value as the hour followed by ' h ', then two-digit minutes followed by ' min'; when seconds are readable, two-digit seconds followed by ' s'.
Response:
8 h 16 min
